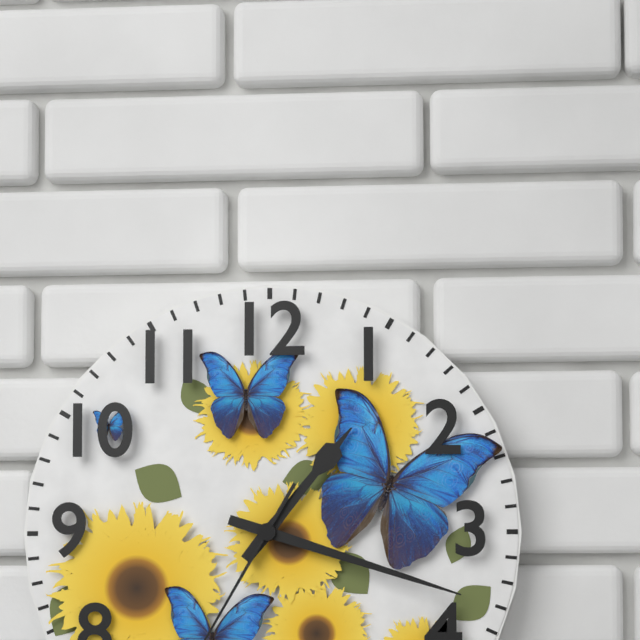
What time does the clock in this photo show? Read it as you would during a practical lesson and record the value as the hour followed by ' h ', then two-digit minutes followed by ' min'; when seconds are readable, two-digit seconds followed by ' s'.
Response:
1 h 18 min
